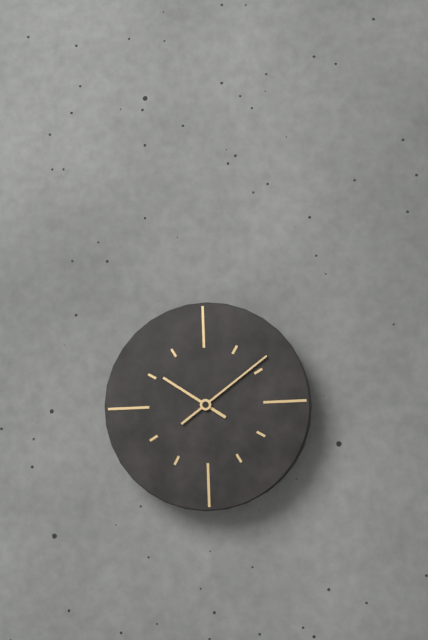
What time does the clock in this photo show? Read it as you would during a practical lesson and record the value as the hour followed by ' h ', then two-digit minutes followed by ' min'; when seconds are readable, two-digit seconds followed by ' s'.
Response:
10 h 09 min
